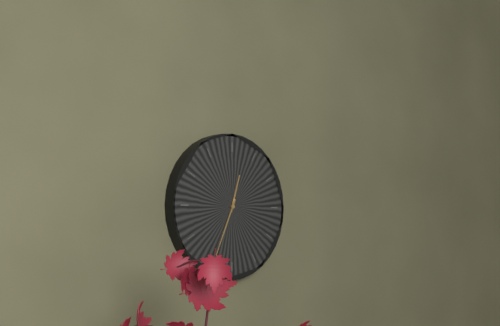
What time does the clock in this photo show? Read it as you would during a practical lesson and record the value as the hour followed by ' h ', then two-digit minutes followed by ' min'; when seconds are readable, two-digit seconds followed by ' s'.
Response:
12 h 34 min
